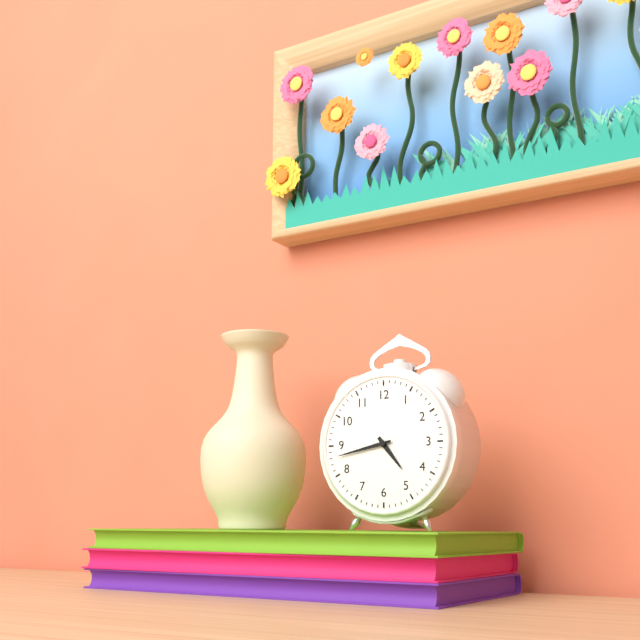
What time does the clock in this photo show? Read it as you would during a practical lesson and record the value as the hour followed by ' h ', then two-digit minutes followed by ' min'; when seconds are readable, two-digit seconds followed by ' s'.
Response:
4 h 43 min
